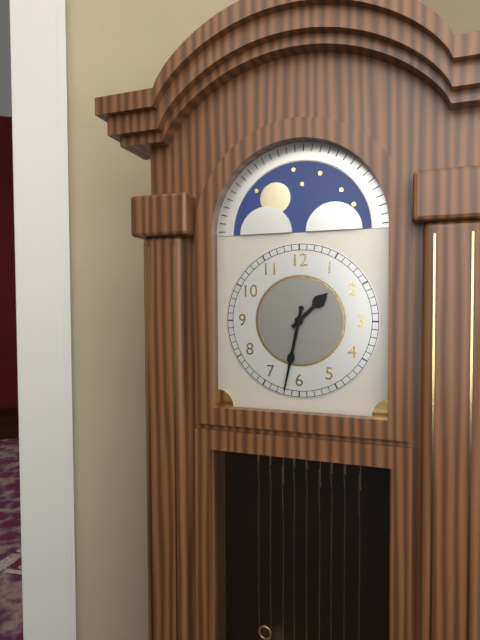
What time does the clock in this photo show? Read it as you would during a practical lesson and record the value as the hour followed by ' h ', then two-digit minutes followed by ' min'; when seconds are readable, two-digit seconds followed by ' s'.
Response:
1 h 32 min
